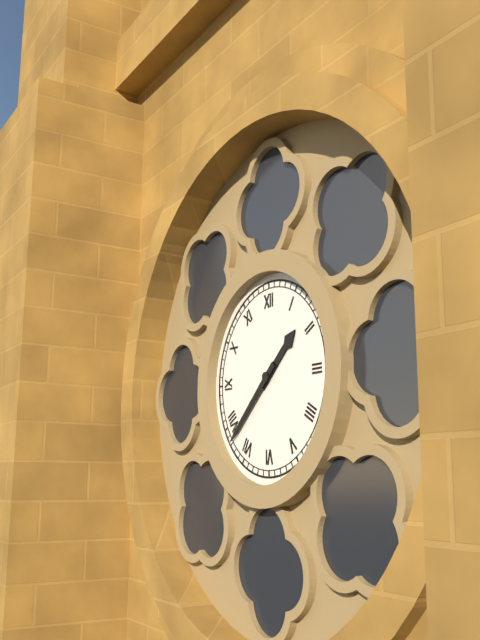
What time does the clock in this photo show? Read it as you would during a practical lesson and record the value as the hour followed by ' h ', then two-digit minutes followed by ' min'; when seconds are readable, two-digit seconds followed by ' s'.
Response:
1 h 38 min
